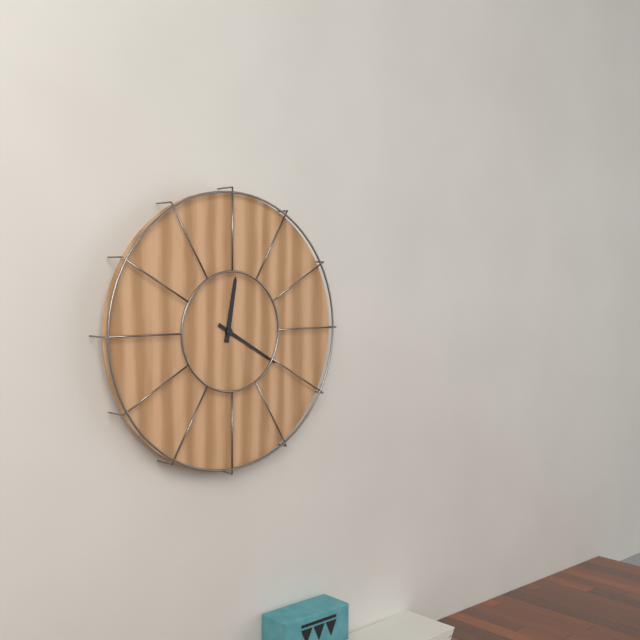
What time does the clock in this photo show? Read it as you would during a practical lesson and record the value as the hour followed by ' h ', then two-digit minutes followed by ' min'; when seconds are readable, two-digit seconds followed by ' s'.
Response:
12 h 20 min
